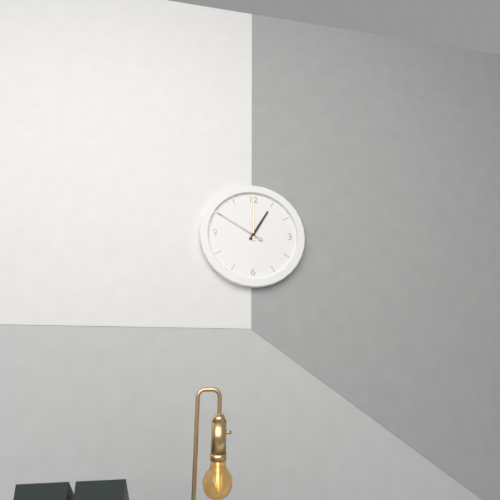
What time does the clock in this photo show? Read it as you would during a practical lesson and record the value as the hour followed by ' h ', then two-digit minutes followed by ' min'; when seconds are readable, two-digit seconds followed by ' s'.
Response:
1 h 00 min 50 s
